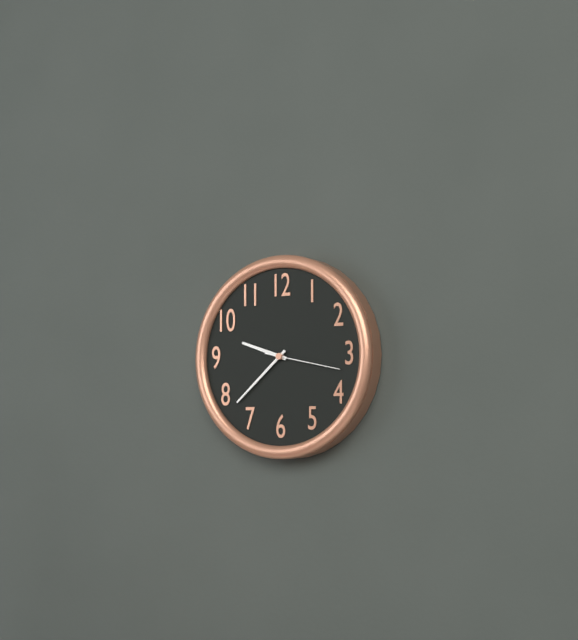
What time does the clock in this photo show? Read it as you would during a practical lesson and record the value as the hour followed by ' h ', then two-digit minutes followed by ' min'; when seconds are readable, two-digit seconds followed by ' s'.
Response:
9 h 38 min 17 s
